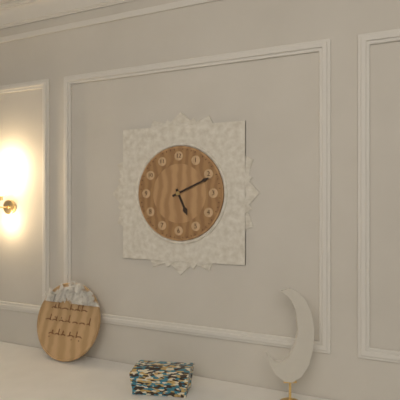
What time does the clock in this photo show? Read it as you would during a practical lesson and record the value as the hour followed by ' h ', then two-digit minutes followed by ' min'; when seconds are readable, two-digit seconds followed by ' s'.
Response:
5 h 11 min
